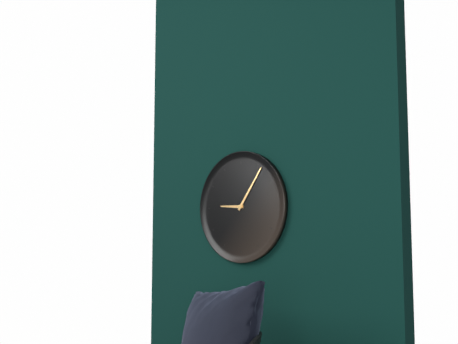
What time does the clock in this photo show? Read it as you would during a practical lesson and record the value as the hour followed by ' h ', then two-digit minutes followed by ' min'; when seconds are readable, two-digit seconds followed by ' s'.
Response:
9 h 06 min
